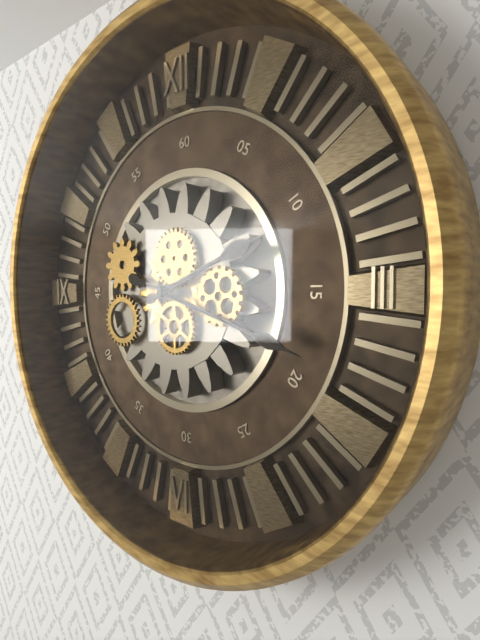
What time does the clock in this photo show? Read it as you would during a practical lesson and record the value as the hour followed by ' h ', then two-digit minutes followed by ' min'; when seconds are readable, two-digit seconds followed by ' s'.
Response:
2 h 18 min
